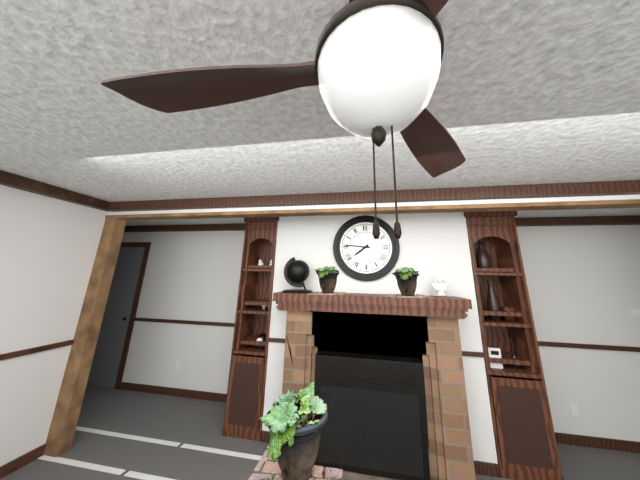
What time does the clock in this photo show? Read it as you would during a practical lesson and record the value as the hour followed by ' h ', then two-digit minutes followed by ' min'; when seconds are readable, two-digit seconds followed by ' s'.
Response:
7 h 46 min
